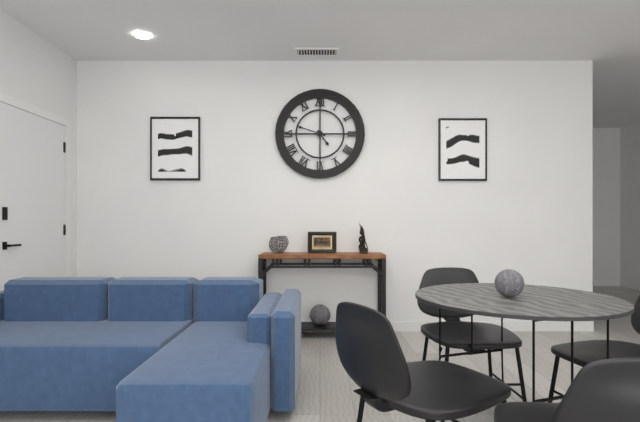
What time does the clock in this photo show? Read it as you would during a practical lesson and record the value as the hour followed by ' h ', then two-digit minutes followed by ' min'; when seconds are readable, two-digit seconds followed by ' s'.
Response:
4 h 48 min
